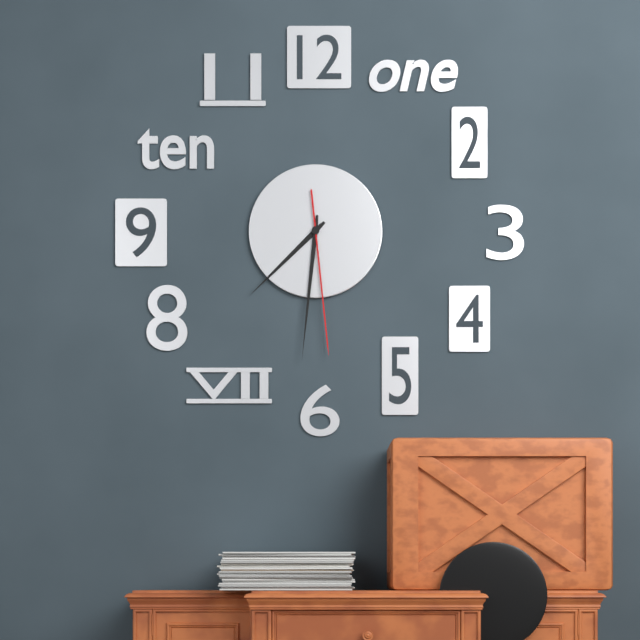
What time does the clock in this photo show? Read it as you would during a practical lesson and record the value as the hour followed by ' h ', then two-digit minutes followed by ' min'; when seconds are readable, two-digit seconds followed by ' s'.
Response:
7 h 31 min 29 s
